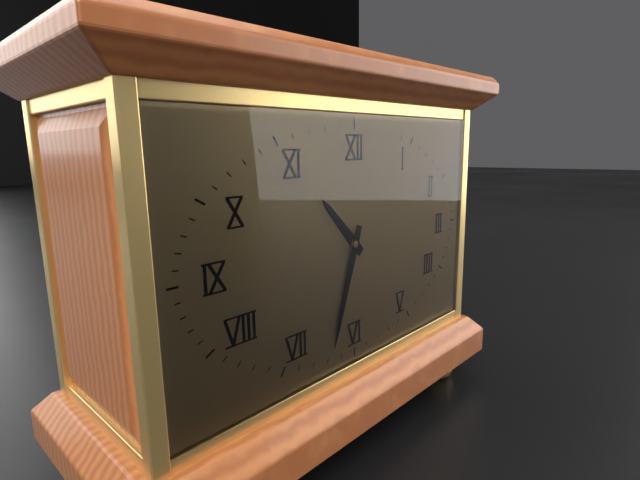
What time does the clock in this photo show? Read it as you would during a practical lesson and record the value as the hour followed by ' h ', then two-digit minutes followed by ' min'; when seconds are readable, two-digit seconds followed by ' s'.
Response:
10 h 33 min
